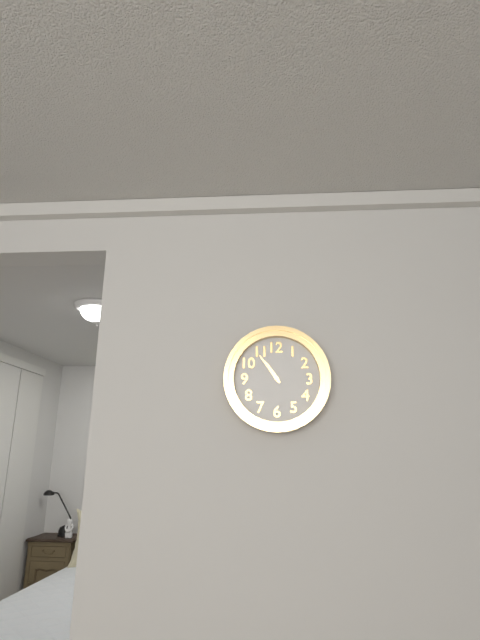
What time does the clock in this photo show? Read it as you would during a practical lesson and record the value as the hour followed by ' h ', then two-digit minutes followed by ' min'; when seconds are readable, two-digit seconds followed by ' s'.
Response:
10 h 54 min
